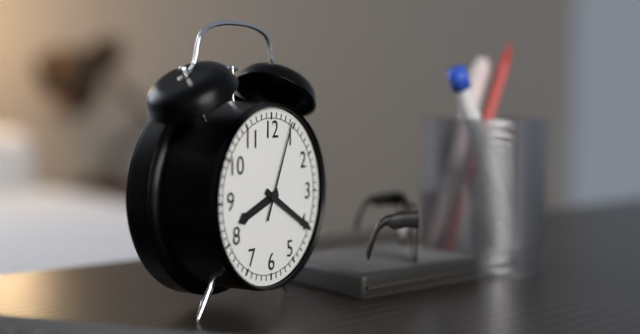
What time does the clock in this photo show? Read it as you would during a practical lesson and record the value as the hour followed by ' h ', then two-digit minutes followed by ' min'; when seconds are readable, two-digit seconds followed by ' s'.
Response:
8 h 20 min 04 s
